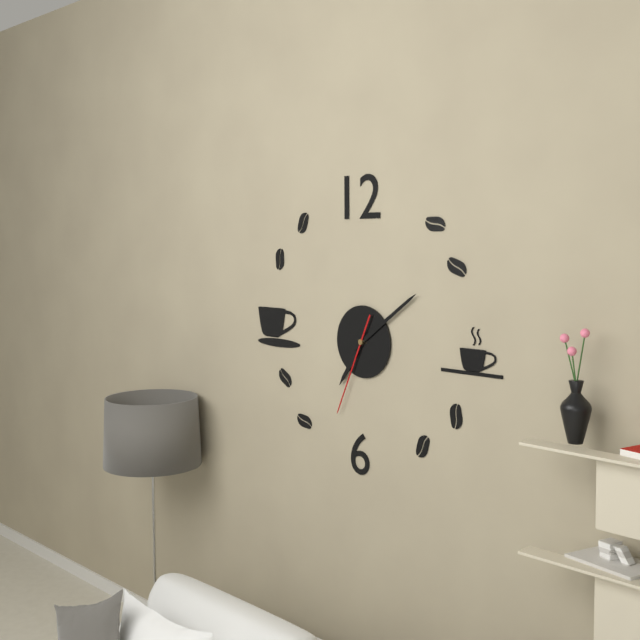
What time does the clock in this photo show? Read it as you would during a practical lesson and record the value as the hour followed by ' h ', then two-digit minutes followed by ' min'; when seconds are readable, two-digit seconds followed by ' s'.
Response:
7 h 09 min 34 s
